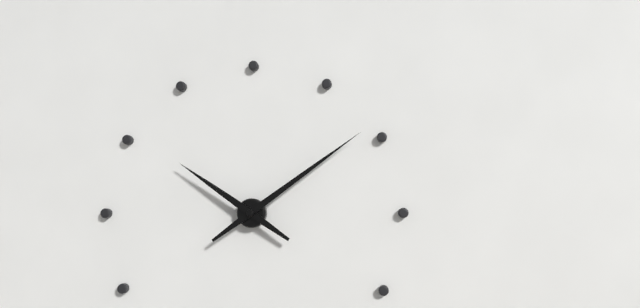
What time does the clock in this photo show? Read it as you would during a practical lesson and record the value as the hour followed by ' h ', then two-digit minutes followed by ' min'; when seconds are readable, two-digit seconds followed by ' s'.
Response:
10 h 09 min
